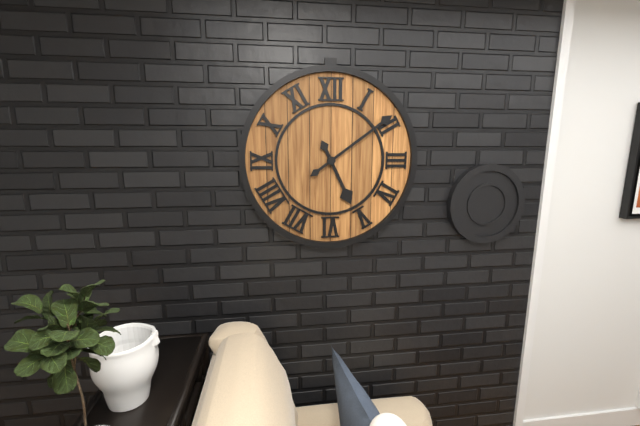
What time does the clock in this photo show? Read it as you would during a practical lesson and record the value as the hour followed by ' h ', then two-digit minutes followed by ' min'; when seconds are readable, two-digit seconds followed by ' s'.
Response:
5 h 09 min
